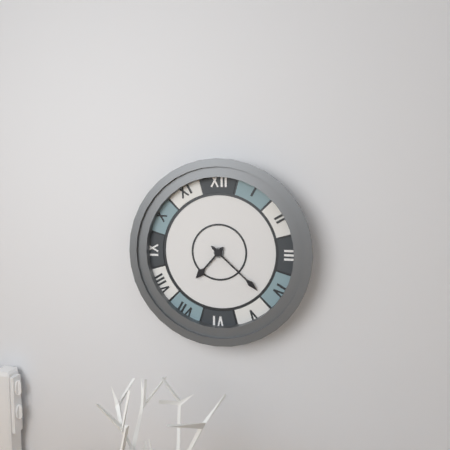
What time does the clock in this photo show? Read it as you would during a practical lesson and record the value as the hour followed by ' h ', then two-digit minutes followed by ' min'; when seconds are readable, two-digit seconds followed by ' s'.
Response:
7 h 22 min
